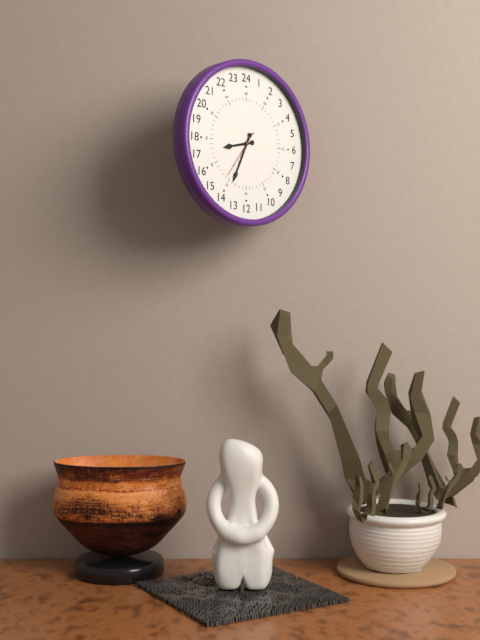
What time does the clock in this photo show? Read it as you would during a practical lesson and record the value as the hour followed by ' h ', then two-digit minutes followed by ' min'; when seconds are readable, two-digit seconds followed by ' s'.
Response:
8 h 34 min
